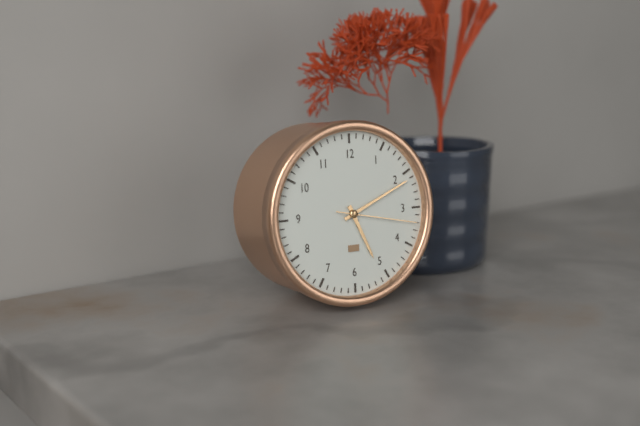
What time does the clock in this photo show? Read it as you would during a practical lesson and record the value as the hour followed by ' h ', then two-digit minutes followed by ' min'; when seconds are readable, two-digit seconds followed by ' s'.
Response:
5 h 11 min 17 s
